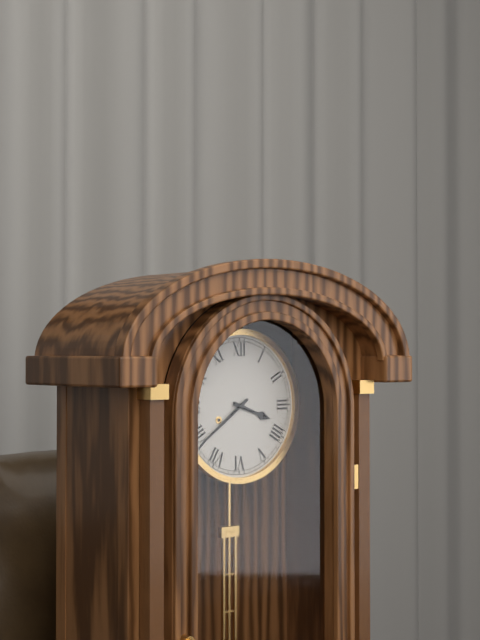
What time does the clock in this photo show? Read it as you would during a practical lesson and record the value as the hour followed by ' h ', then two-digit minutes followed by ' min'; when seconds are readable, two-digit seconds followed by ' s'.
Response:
3 h 39 min
